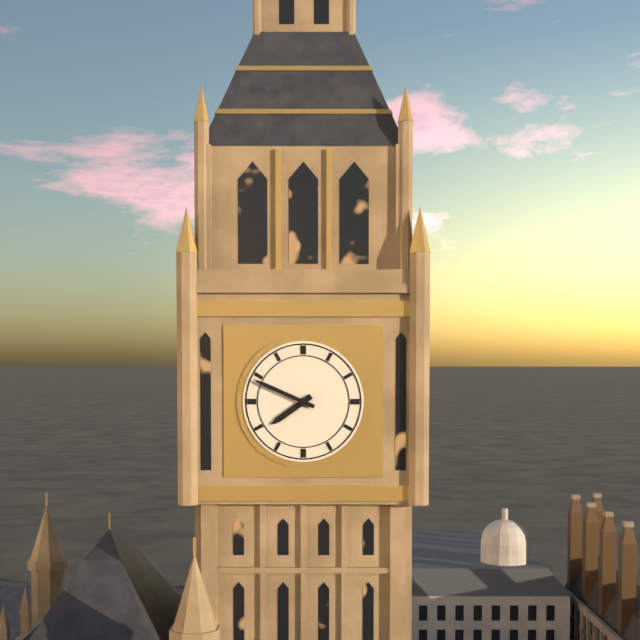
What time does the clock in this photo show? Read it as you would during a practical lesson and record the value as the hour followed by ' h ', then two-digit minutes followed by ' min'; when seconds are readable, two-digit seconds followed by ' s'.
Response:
7 h 49 min
